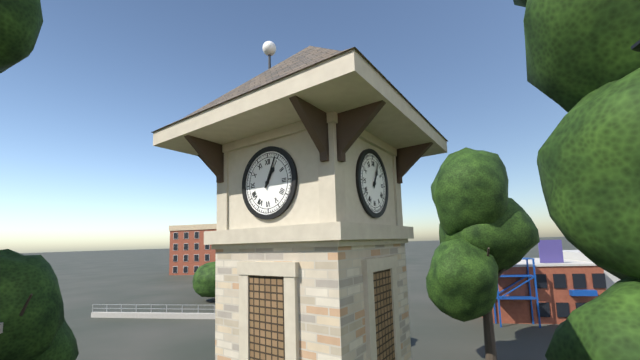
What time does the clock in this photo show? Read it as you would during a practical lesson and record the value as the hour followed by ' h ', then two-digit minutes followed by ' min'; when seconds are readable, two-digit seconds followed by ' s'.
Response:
1 h 04 min
